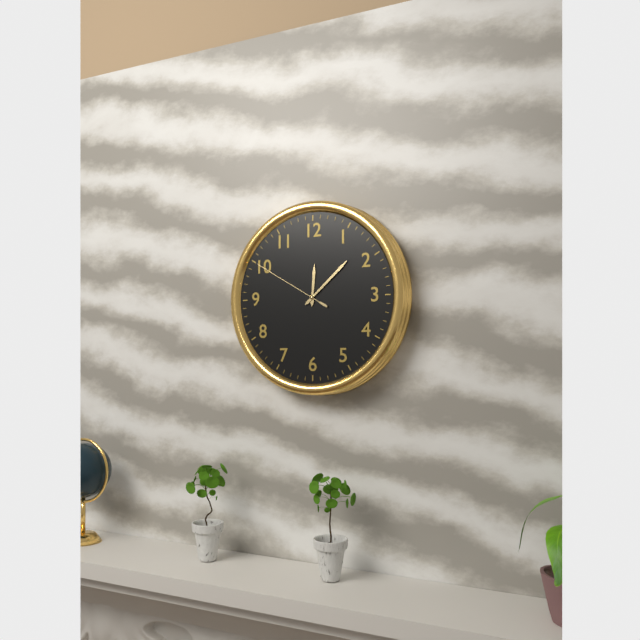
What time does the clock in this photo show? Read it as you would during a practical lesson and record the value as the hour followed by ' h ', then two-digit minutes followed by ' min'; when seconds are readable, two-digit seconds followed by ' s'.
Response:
12 h 08 min 50 s
